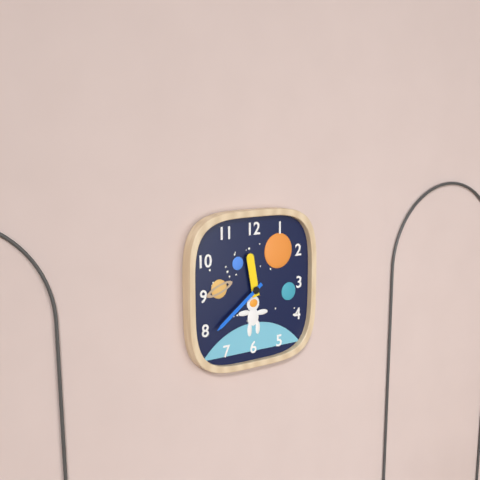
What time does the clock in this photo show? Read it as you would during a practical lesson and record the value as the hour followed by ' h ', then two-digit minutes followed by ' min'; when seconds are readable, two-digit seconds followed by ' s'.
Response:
11 h 39 min
